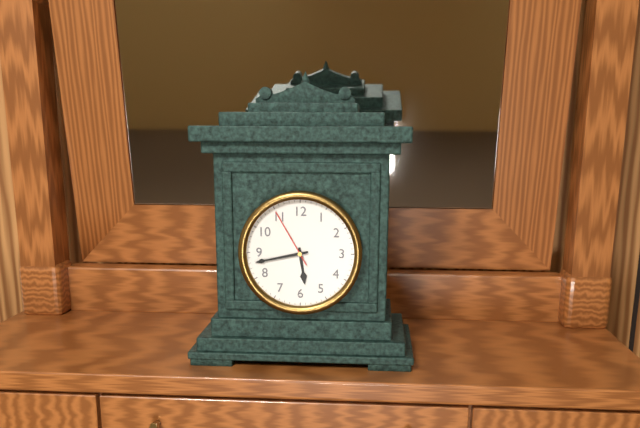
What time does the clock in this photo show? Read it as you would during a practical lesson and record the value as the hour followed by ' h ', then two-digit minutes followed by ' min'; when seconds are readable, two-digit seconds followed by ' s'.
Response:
5 h 43 min 55 s
